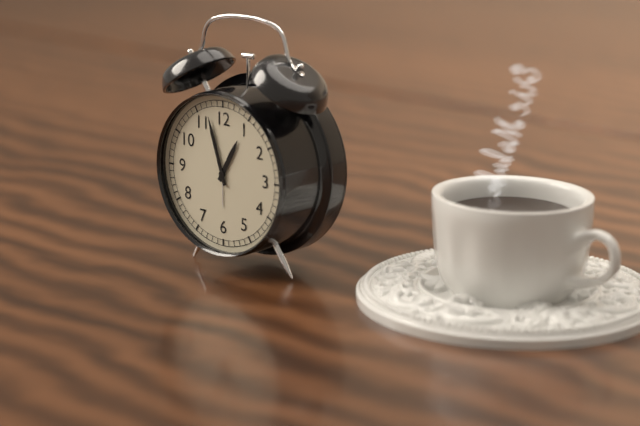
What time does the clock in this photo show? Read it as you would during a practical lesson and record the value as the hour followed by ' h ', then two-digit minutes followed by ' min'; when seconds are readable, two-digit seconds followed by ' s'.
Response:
12 h 57 min
